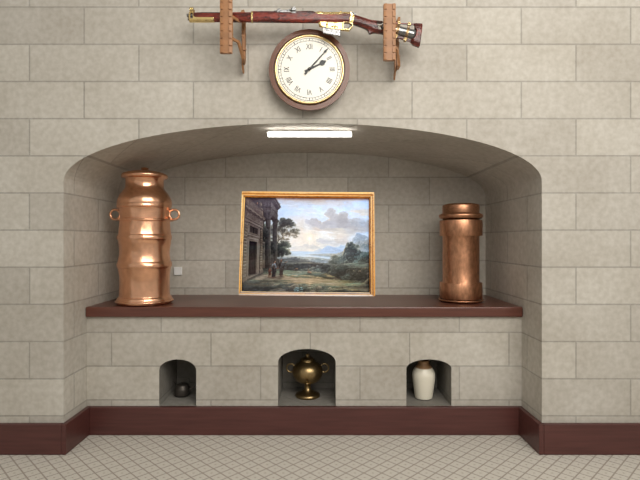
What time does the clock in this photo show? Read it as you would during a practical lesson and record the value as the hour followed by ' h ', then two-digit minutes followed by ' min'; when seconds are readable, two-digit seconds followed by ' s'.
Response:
2 h 07 min
